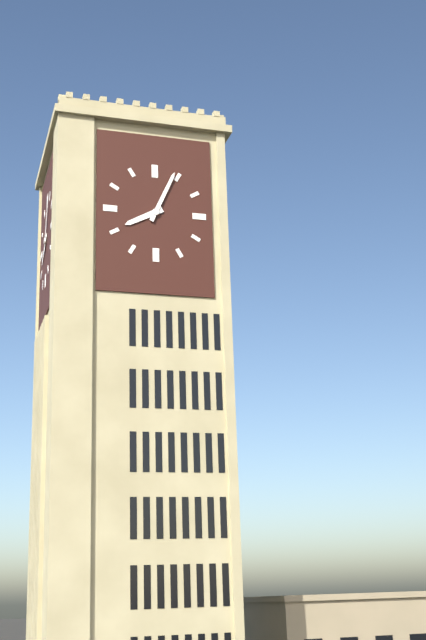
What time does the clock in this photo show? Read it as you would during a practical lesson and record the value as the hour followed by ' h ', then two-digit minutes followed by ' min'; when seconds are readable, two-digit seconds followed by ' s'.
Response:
8 h 04 min
